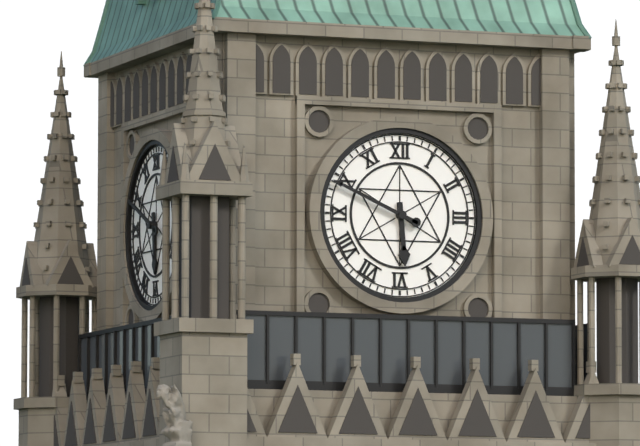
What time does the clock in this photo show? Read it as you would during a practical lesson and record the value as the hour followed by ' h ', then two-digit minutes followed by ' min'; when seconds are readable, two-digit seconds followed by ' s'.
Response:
5 h 49 min
